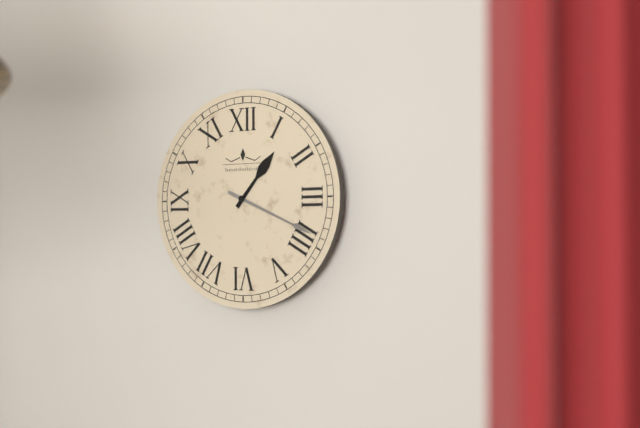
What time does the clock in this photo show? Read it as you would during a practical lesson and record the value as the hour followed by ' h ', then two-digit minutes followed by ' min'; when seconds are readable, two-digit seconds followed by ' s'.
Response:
1 h 19 min
